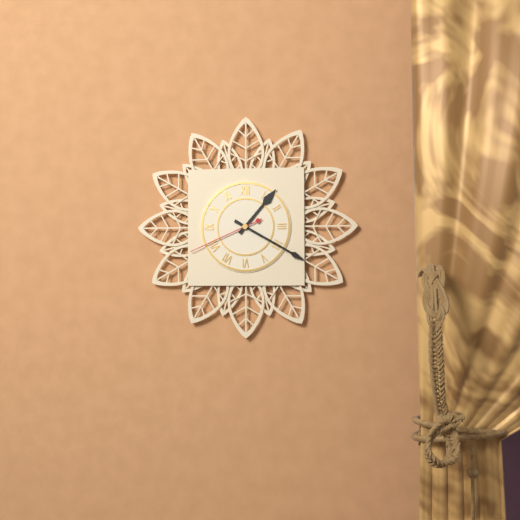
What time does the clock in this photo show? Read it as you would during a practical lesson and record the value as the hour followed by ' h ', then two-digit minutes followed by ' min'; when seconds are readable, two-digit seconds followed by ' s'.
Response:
1 h 20 min 41 s
